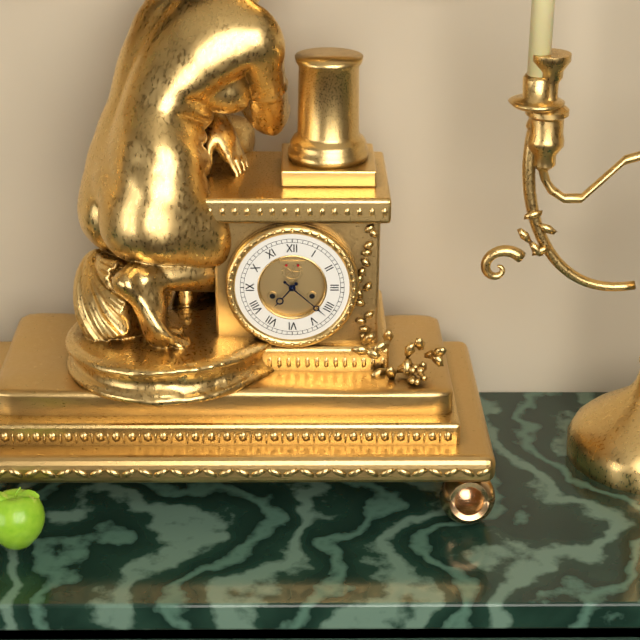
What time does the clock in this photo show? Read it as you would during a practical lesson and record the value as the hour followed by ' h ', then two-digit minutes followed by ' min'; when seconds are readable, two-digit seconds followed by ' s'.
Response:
7 h 22 min
